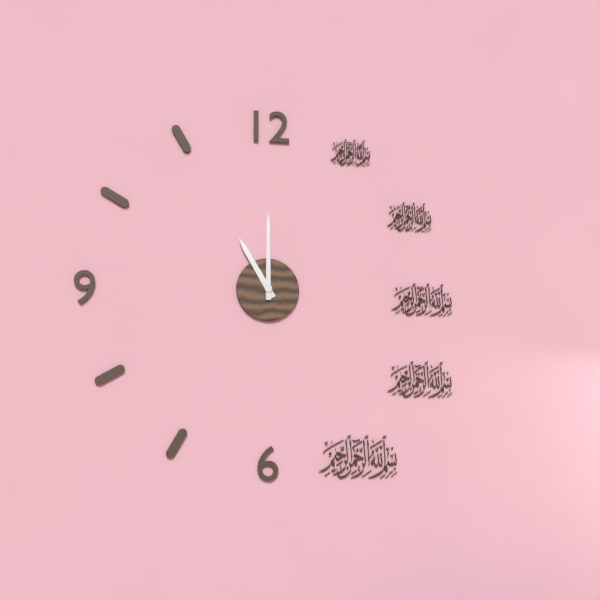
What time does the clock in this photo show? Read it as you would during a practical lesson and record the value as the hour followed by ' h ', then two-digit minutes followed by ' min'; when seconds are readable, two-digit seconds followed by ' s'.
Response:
11 h 00 min
